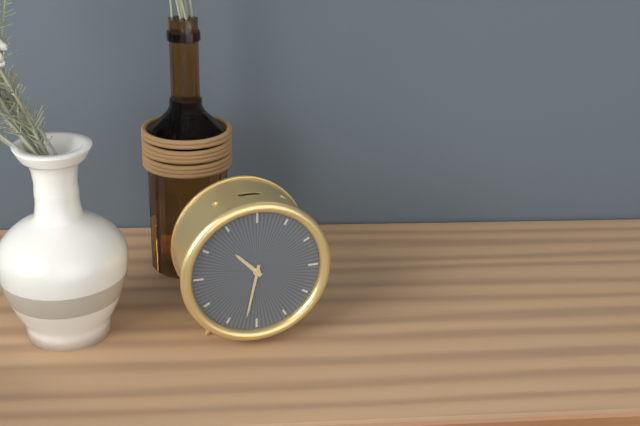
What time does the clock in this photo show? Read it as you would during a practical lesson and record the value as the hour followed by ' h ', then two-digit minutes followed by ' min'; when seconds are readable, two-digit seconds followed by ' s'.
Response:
10 h 32 min
